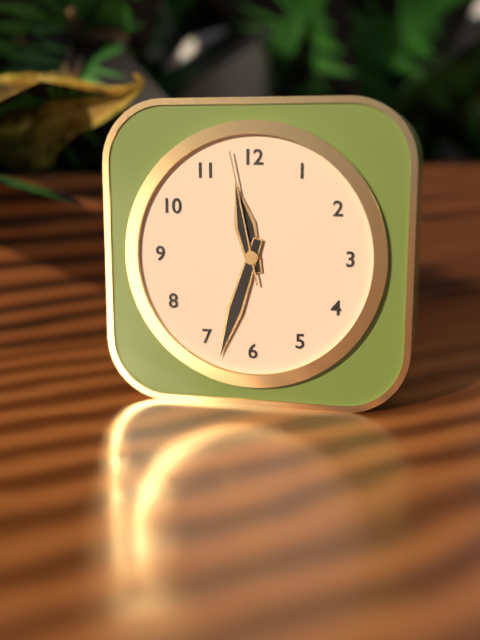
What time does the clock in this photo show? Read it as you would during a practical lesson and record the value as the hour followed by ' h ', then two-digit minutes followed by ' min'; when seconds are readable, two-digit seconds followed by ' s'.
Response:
11 h 33 min 58 s
